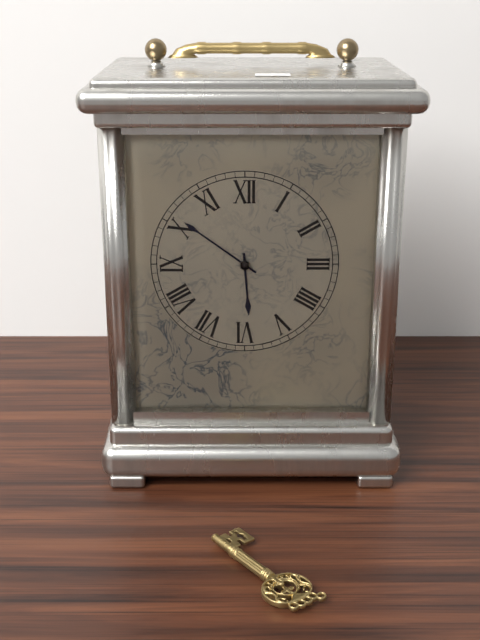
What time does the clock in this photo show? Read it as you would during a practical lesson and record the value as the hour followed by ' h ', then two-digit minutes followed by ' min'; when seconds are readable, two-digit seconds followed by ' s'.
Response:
5 h 51 min
